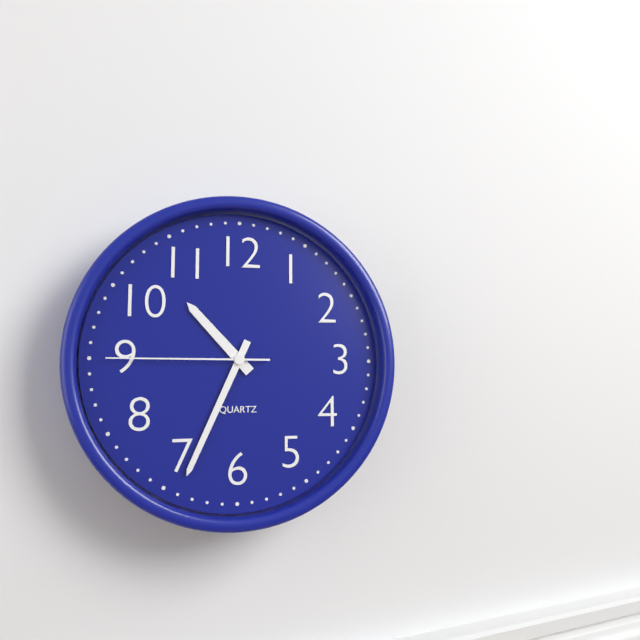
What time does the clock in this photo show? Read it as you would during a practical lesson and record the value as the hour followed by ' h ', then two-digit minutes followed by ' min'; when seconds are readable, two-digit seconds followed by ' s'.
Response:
10 h 34 min 45 s
